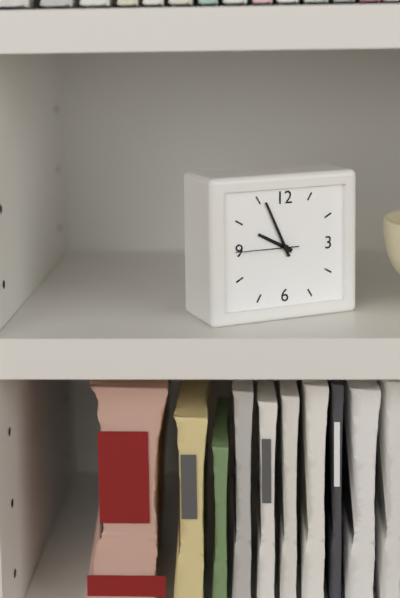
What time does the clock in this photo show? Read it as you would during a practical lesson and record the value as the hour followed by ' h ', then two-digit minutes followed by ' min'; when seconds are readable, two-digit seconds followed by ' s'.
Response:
9 h 56 min 45 s
